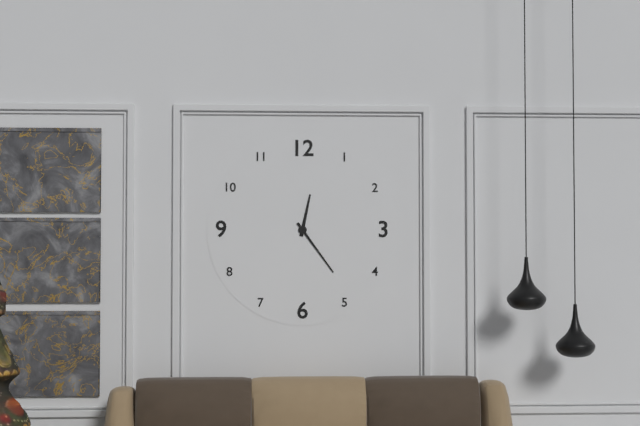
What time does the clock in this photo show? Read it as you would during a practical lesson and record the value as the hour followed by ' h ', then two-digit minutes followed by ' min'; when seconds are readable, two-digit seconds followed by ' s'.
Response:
12 h 24 min
